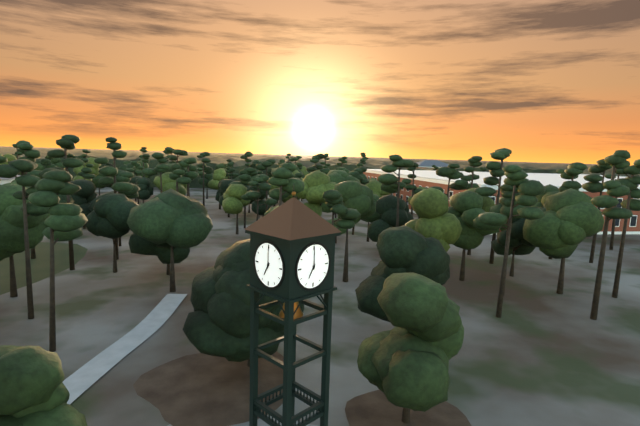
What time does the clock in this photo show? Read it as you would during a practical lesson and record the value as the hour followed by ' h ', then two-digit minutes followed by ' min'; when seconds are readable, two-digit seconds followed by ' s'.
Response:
7 h 00 min
